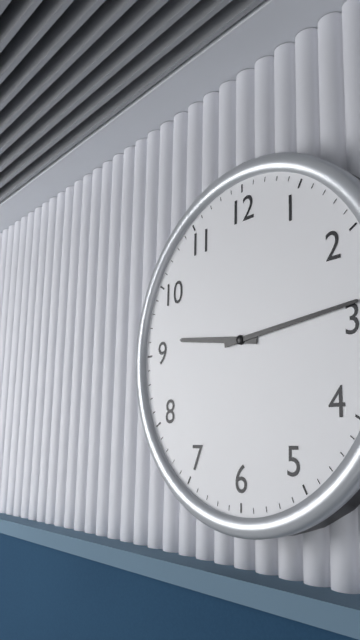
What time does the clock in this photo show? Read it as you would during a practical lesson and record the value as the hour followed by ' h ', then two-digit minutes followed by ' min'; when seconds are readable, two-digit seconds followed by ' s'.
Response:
9 h 14 min
